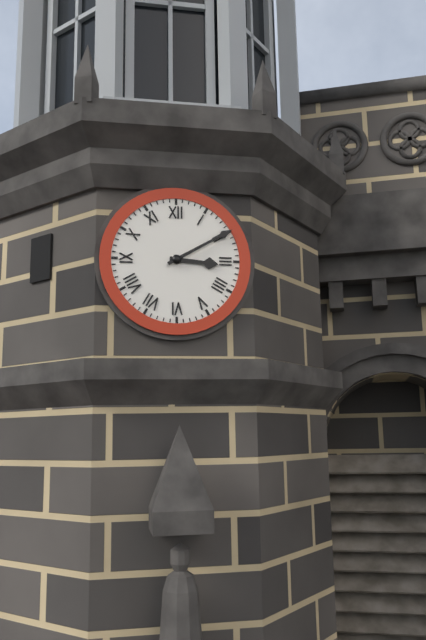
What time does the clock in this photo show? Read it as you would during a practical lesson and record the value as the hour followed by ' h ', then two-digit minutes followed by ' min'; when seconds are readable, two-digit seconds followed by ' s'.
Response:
3 h 10 min
